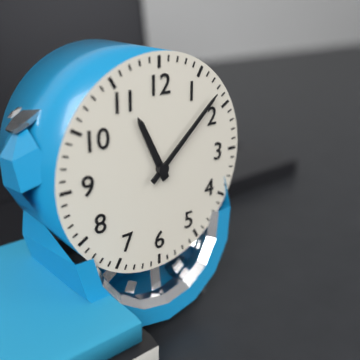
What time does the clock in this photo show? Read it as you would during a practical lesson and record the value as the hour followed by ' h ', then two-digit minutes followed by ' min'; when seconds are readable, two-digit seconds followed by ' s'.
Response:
11 h 08 min
